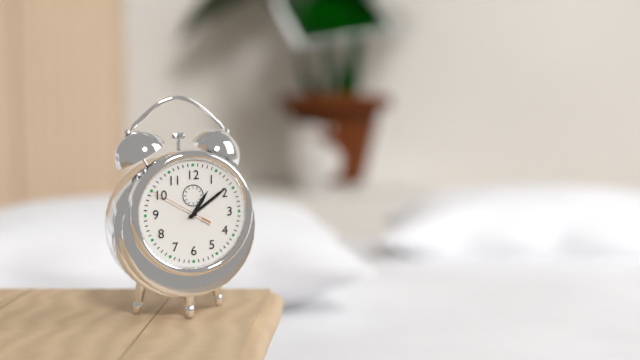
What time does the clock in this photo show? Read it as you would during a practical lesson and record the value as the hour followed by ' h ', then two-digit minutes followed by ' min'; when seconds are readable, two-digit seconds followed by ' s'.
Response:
1 h 09 min 50 s
